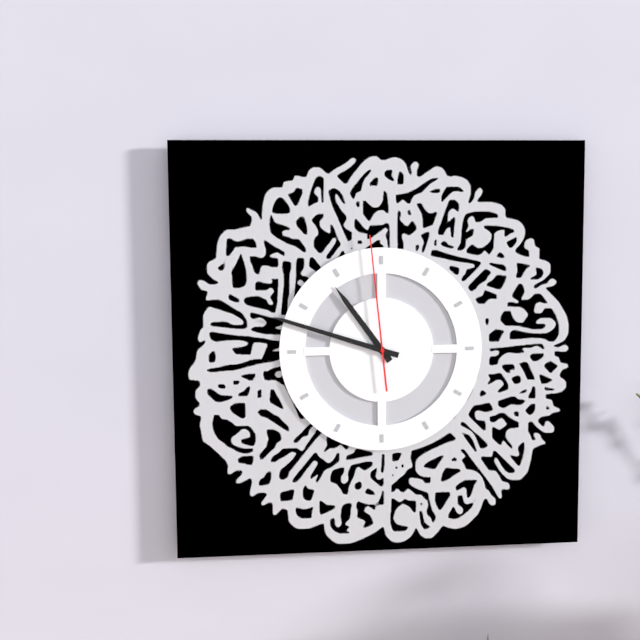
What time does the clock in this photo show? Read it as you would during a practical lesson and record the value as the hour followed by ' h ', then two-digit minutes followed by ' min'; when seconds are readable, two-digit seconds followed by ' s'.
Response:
10 h 48 min 59 s
